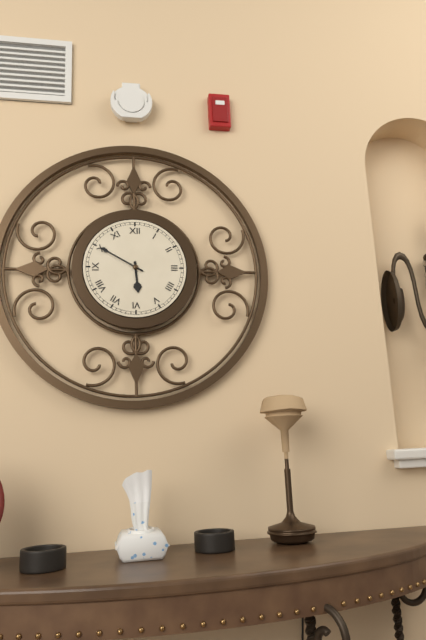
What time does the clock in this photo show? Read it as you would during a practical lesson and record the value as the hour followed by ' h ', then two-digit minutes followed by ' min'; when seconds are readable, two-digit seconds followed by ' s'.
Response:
5 h 50 min
